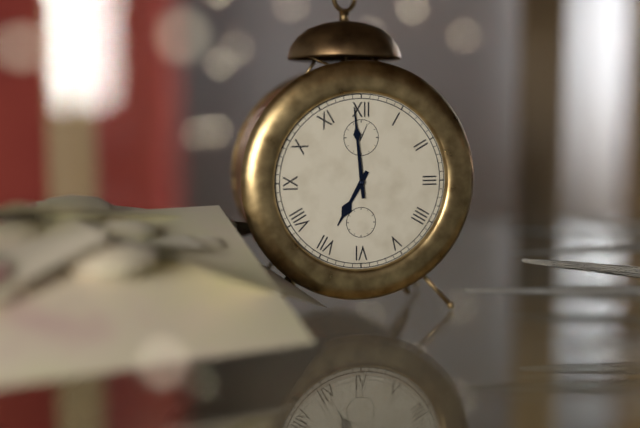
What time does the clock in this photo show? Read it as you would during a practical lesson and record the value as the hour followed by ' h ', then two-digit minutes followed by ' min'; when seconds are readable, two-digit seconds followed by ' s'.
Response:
6 h 59 min
